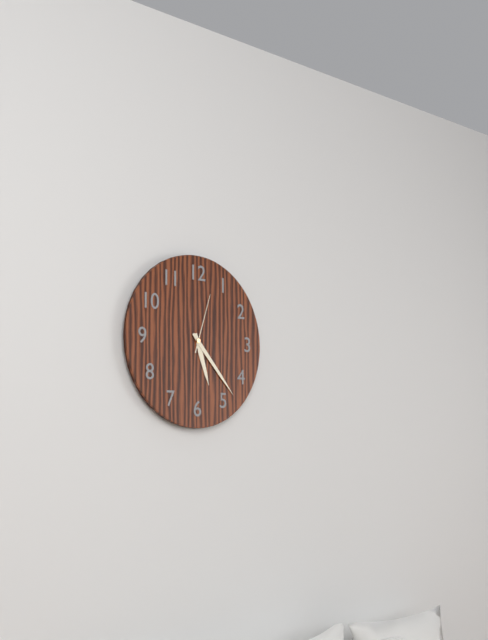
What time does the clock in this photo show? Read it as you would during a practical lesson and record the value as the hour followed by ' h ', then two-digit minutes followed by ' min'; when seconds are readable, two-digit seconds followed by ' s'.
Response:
5 h 23 min 03 s
